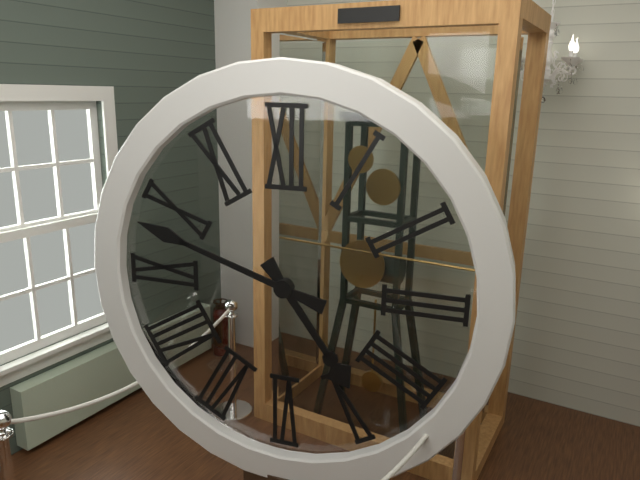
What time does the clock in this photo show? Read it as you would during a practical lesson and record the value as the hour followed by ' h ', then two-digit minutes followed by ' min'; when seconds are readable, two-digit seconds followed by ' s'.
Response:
4 h 48 min
